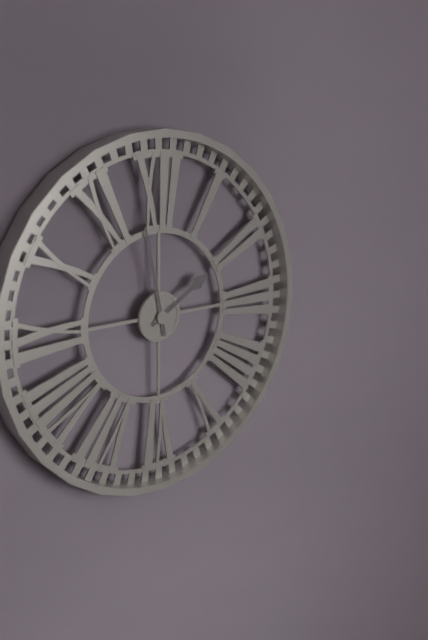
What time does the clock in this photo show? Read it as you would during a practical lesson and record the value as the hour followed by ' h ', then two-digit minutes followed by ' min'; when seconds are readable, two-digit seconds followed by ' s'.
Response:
1 h 58 min
